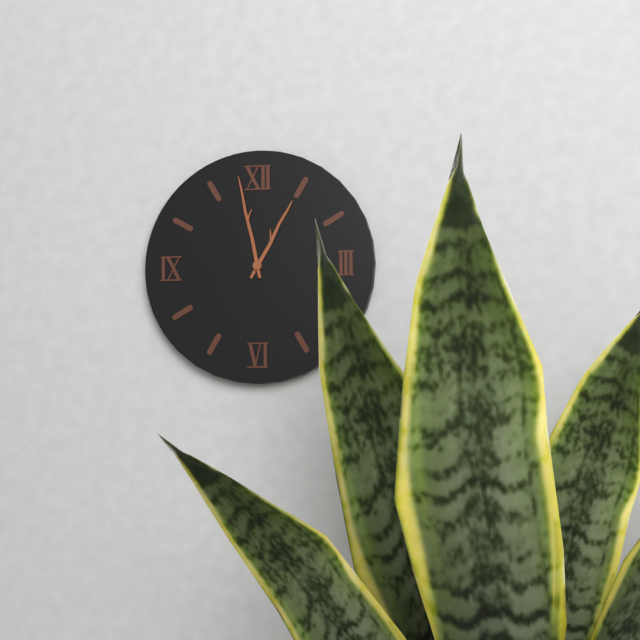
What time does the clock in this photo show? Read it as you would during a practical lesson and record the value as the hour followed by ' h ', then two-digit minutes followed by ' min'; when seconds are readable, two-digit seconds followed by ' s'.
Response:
12 h 58 min
